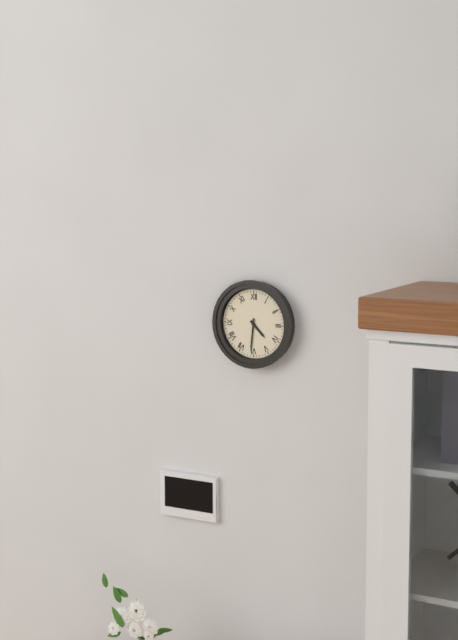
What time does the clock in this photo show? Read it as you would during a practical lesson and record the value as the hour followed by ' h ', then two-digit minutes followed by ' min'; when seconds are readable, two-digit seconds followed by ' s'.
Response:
4 h 31 min
